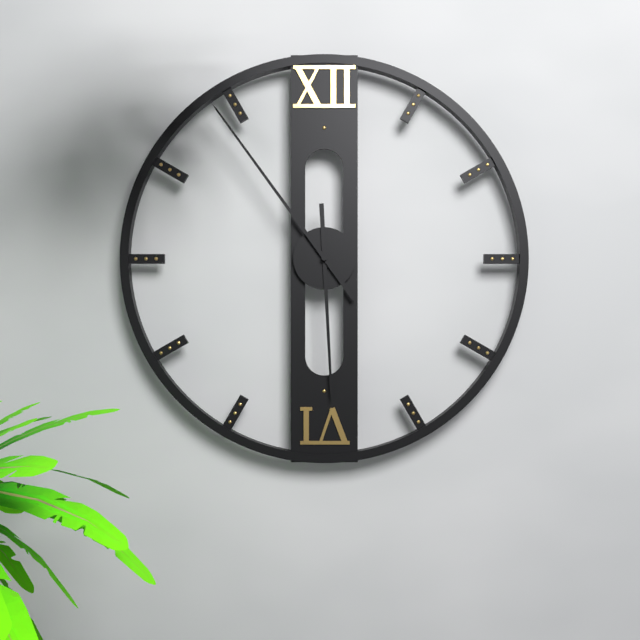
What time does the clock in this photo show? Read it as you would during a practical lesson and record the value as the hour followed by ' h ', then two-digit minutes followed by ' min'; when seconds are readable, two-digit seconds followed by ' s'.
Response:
5 h 54 min
